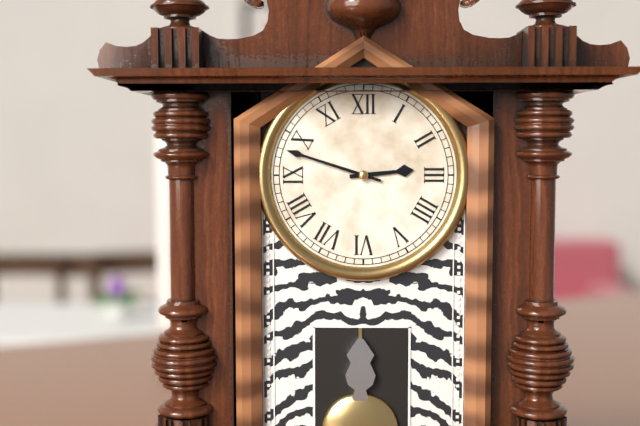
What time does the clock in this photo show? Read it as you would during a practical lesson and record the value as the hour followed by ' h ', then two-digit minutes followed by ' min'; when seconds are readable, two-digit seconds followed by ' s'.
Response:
2 h 48 min
